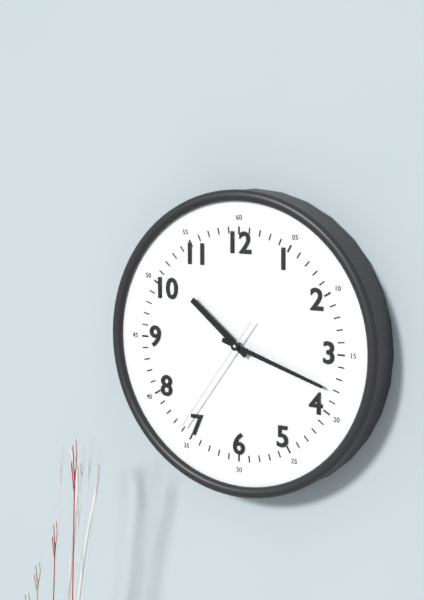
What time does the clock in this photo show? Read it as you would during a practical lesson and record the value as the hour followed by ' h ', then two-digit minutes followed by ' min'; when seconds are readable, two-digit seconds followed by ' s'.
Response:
10 h 18 min 36 s
